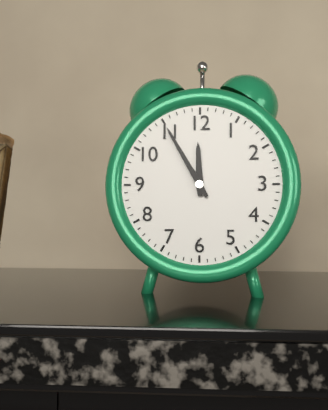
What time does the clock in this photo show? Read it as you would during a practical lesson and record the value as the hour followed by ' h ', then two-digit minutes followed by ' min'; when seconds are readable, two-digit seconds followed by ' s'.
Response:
11 h 55 min
